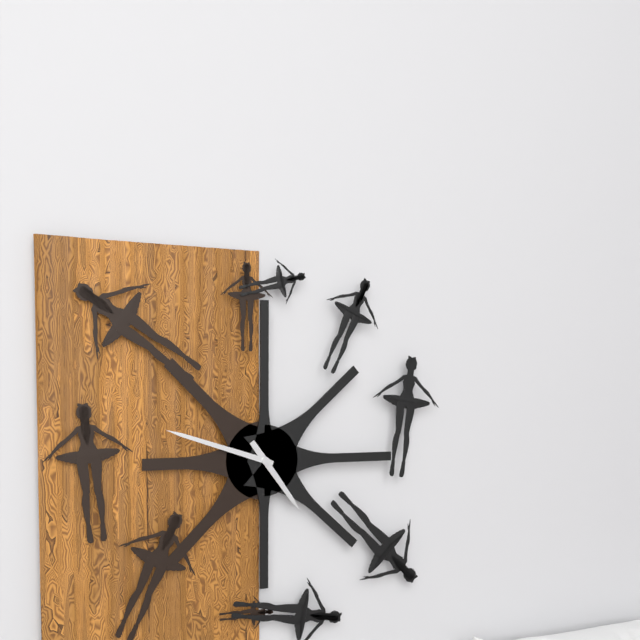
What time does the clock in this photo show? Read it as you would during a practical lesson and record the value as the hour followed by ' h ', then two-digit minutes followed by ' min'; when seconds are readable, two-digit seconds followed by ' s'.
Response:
4 h 48 min
